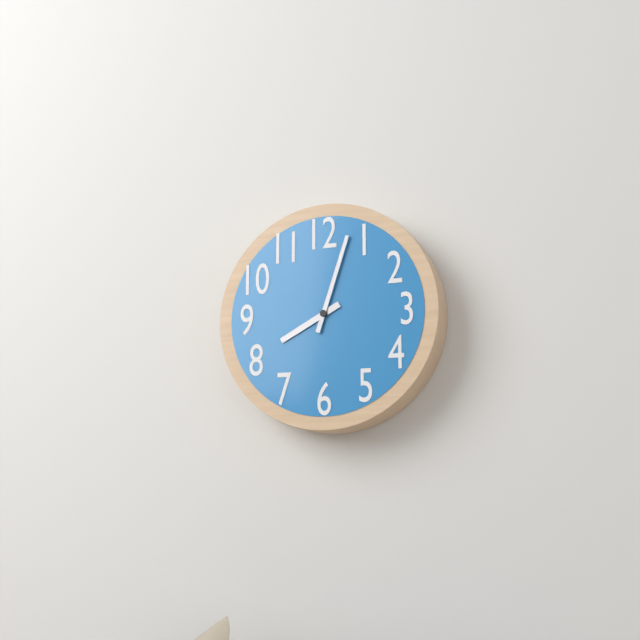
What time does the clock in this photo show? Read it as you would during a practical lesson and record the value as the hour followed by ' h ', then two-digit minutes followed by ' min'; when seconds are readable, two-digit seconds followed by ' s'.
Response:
8 h 03 min
